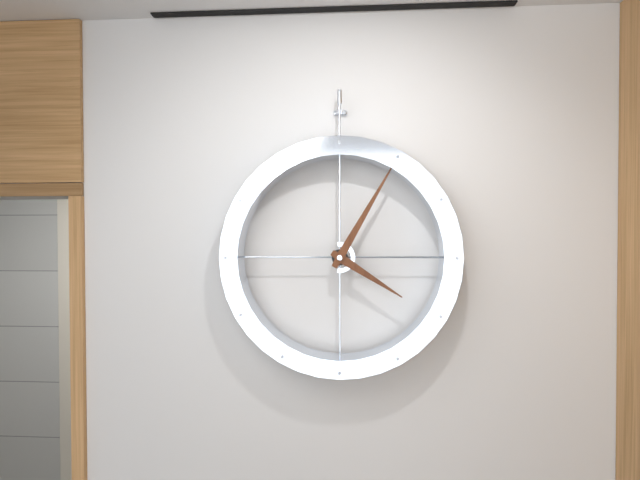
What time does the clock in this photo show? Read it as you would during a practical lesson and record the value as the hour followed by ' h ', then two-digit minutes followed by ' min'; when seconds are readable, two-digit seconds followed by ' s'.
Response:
4 h 05 min
